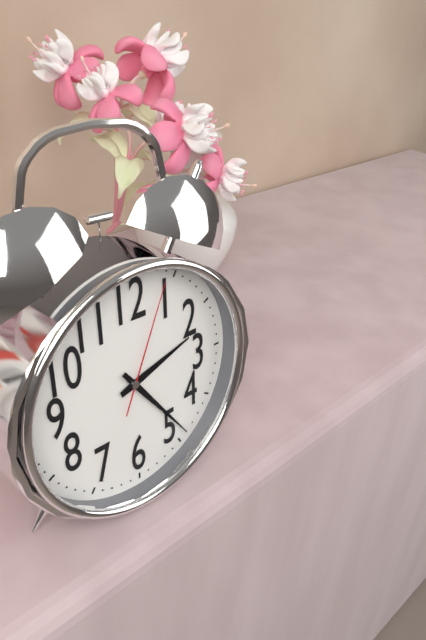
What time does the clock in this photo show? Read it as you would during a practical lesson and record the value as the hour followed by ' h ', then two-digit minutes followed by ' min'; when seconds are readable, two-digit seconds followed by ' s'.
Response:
2 h 24 min 04 s
